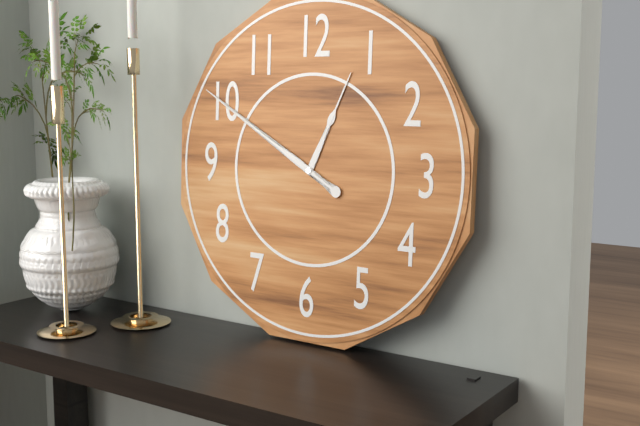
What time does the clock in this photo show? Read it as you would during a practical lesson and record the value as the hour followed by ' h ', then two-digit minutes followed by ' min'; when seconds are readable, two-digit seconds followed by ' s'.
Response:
12 h 50 min
